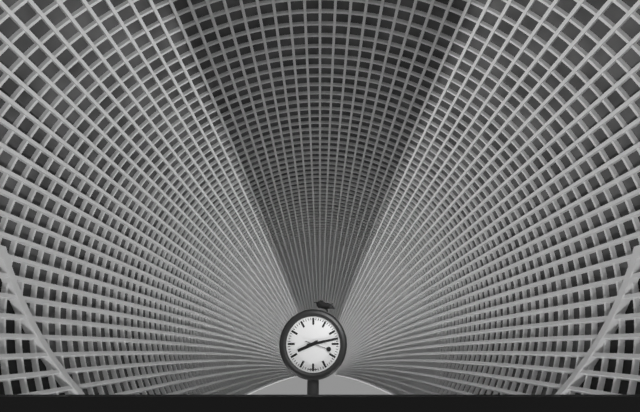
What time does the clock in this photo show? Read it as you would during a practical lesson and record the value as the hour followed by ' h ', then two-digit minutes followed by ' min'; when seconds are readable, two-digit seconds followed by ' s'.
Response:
8 h 13 min
